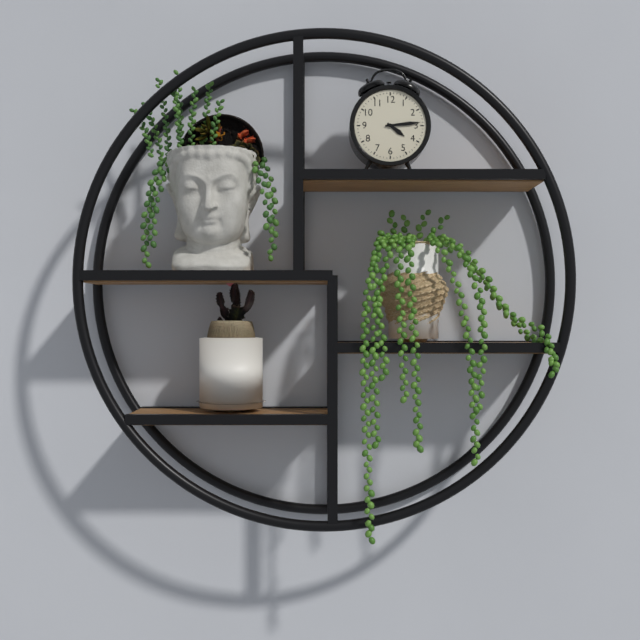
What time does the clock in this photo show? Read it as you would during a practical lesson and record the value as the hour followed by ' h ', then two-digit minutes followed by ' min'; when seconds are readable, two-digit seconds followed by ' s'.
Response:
4 h 14 min
